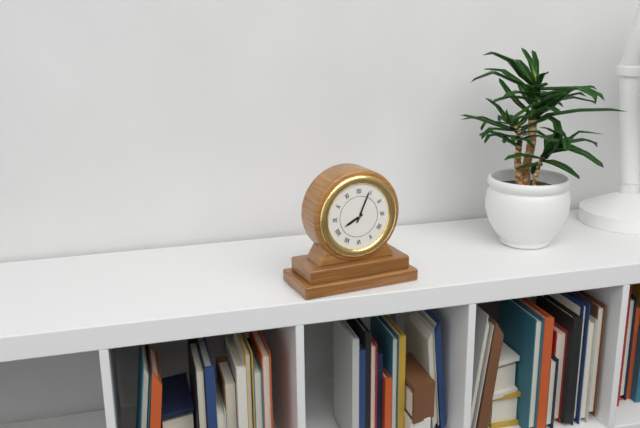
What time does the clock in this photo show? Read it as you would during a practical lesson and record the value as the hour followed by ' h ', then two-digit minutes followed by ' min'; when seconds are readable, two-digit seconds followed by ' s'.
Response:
8 h 04 min
